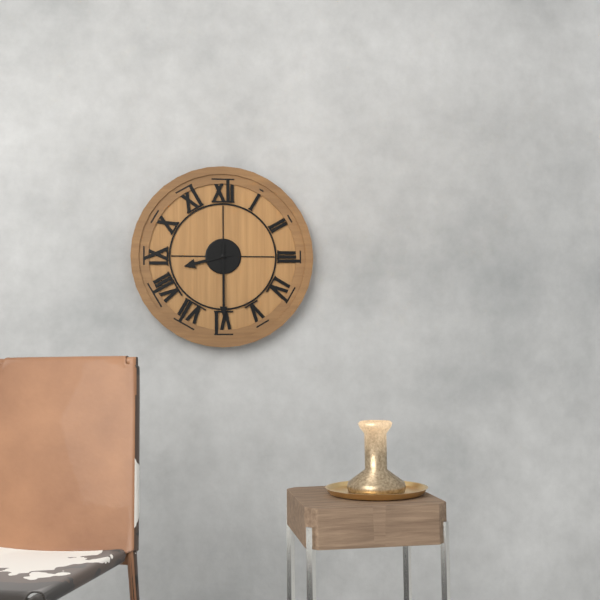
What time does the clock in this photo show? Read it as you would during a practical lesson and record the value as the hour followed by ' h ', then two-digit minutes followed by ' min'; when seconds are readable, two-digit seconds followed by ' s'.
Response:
8 h 30 min
